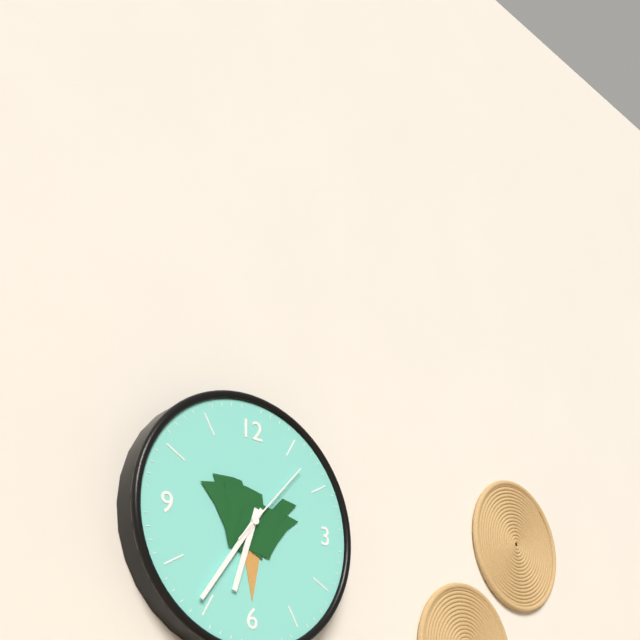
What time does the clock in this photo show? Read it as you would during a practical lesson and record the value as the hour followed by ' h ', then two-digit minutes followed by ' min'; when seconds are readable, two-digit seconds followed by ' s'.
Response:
6 h 36 min 07 s
